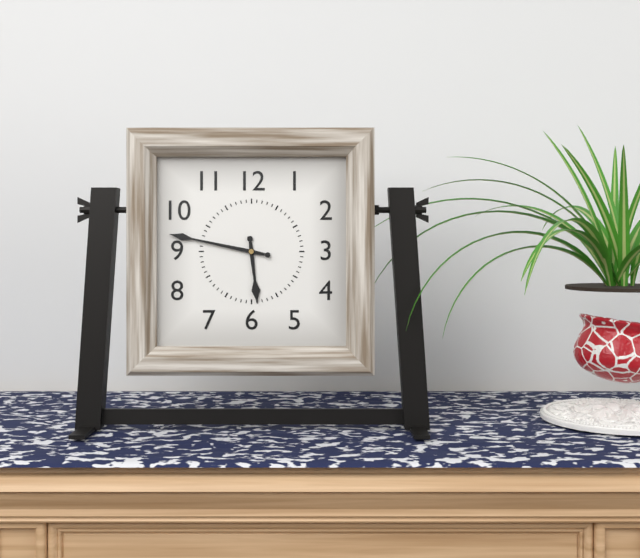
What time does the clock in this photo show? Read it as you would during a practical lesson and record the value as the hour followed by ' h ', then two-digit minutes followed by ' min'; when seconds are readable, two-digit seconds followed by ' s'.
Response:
5 h 47 min
